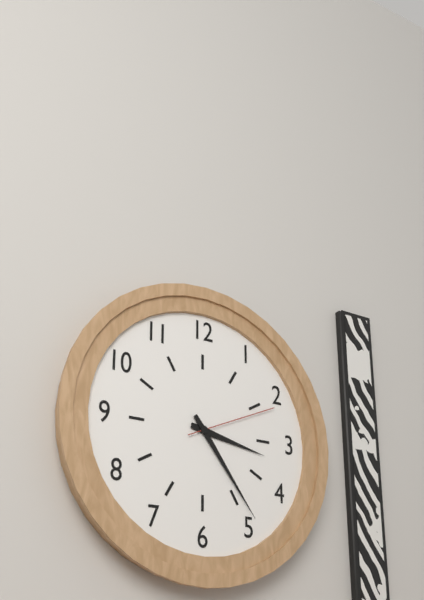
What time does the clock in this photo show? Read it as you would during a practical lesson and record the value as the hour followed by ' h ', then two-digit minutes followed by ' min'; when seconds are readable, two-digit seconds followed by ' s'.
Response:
3 h 24 min 11 s
